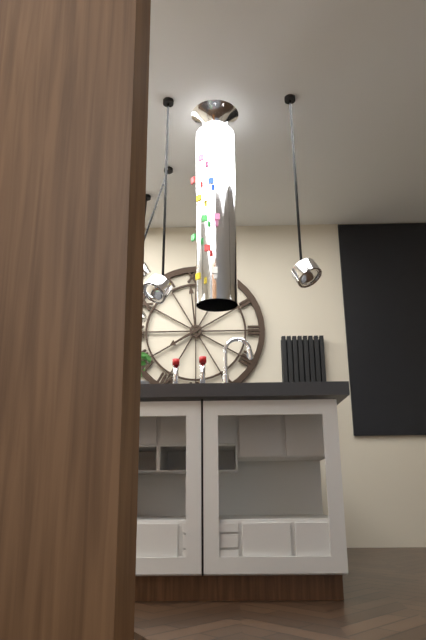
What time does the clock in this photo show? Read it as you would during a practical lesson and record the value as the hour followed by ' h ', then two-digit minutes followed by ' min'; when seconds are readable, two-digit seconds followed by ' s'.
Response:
7 h 59 min
